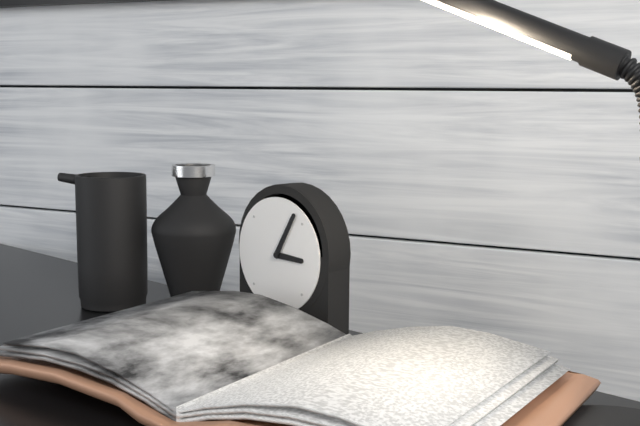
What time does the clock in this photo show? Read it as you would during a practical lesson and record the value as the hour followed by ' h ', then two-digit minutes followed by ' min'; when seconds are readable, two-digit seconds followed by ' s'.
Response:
3 h 05 min
